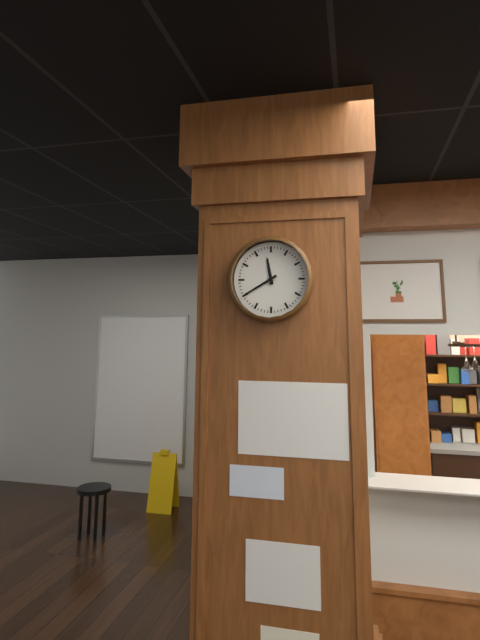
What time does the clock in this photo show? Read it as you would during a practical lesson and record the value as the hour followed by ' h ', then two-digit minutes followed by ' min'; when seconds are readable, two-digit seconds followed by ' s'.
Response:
11 h 40 min
